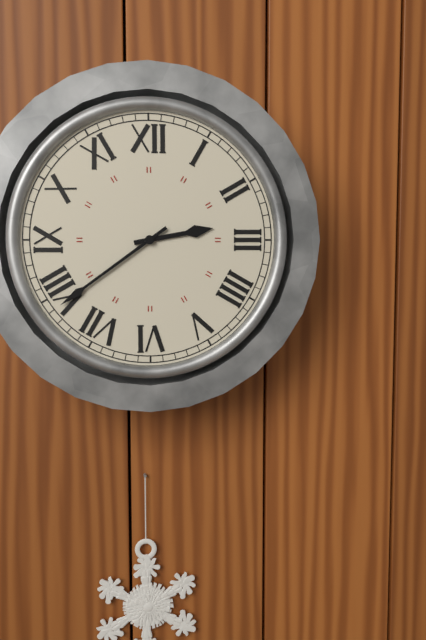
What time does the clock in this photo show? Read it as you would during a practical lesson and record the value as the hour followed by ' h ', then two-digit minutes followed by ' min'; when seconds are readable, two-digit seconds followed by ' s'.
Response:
2 h 39 min
